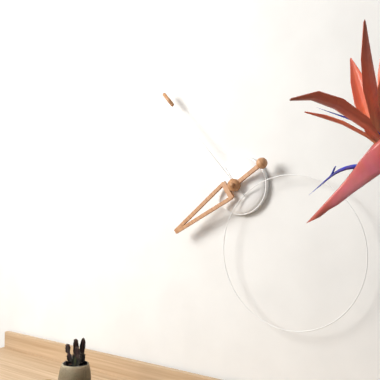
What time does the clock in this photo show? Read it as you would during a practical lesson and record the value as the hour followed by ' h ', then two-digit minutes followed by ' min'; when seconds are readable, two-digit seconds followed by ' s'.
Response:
7 h 53 min
